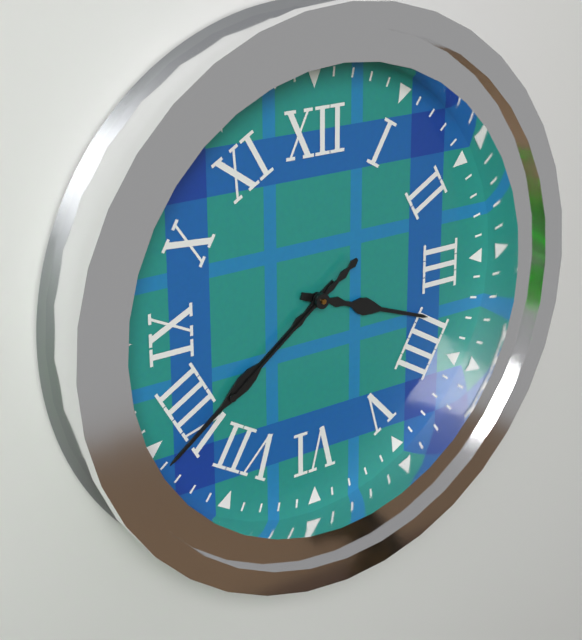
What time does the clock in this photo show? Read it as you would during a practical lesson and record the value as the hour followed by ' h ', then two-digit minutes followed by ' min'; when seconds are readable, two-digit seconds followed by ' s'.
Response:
3 h 39 min 39 s
